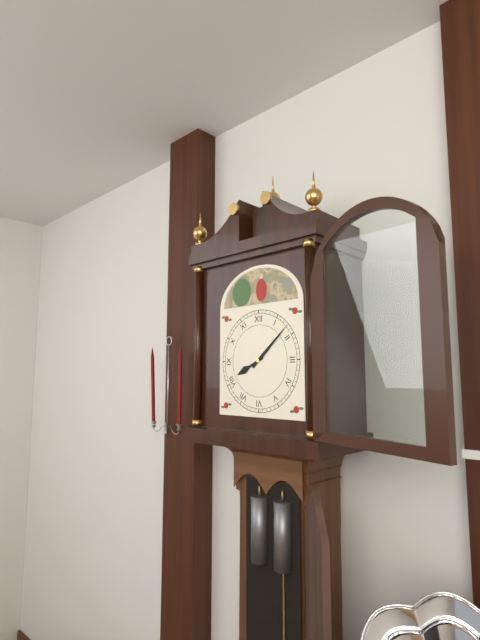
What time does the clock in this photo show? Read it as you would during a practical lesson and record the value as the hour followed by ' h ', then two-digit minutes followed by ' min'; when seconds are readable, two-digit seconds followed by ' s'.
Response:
8 h 08 min
